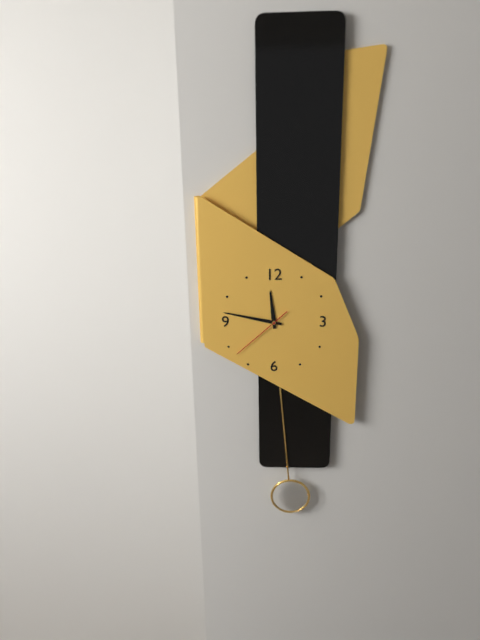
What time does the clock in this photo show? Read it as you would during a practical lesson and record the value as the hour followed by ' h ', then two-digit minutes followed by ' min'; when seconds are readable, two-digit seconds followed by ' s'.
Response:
11 h 47 min 38 s
